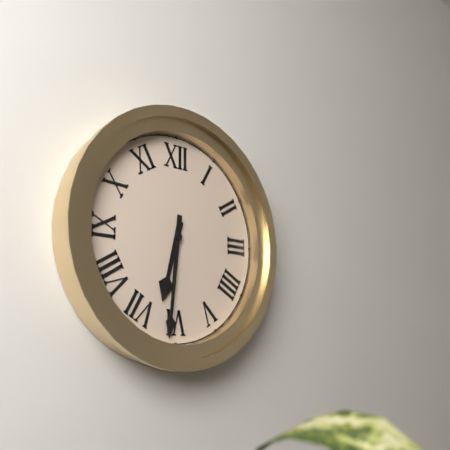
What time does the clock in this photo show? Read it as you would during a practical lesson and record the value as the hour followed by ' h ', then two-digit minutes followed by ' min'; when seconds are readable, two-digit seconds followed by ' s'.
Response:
6 h 31 min
